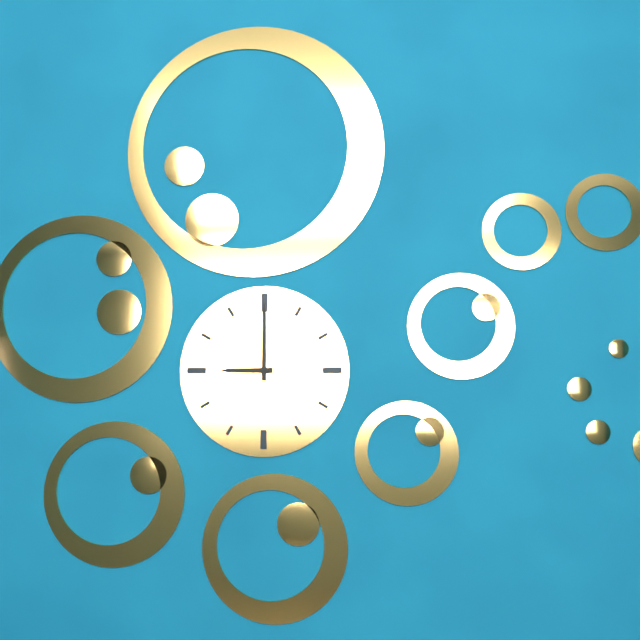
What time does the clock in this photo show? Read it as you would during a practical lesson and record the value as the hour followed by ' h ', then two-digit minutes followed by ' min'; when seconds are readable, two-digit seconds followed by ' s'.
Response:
9 h 00 min
